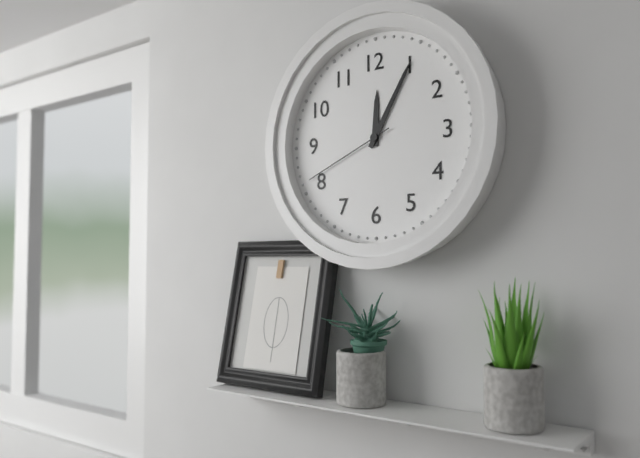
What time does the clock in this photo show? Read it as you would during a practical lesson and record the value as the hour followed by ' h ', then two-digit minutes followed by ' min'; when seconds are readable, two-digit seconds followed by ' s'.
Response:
12 h 05 min 41 s
